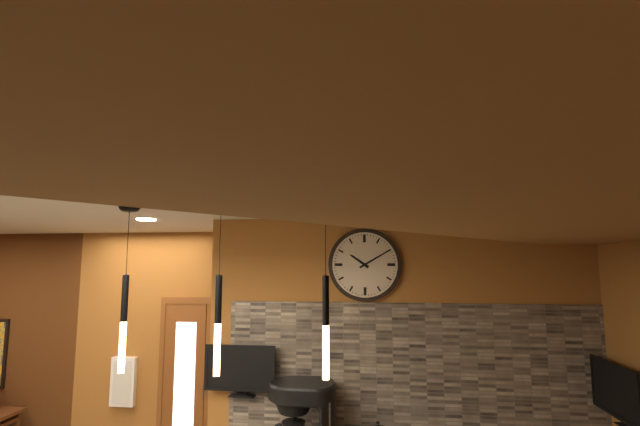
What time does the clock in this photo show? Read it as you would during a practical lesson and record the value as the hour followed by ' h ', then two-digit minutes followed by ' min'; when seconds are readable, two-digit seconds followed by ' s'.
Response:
10 h 10 min
